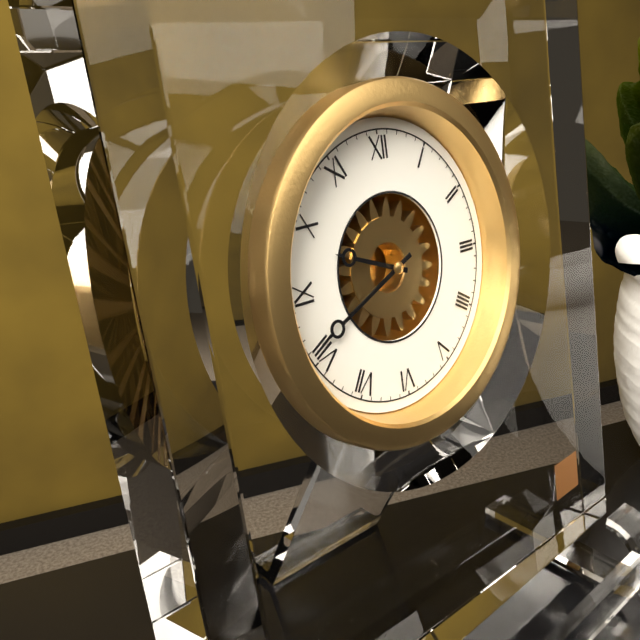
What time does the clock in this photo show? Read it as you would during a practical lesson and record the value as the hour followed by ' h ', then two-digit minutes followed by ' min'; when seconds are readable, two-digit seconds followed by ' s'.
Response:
9 h 41 min
